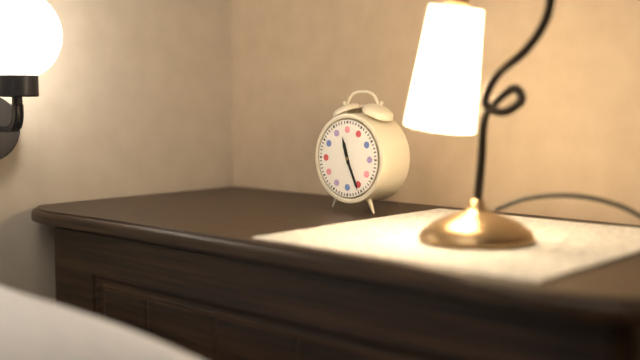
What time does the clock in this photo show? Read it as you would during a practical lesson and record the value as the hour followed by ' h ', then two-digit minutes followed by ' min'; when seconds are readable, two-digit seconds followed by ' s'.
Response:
11 h 26 min
